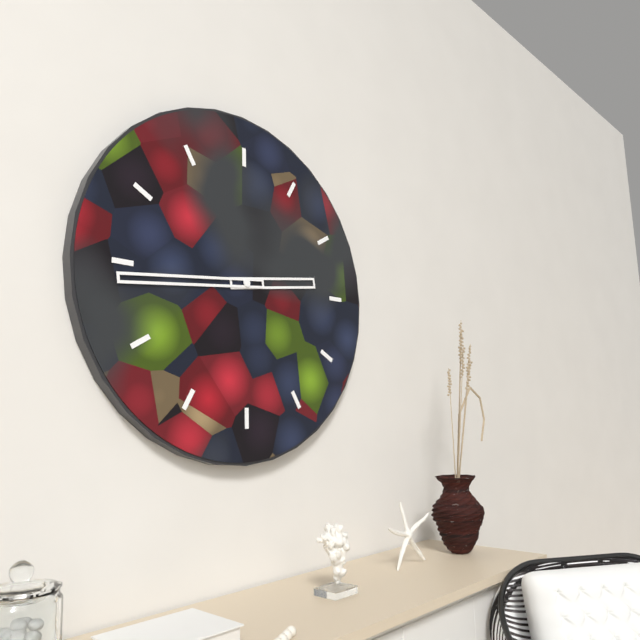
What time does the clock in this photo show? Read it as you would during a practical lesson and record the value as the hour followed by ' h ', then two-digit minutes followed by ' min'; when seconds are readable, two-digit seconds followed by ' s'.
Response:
2 h 44 min
